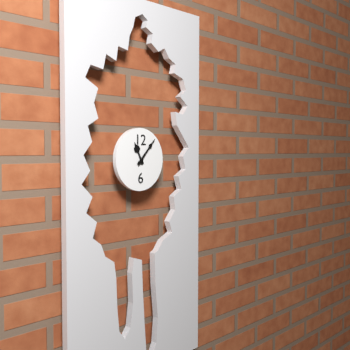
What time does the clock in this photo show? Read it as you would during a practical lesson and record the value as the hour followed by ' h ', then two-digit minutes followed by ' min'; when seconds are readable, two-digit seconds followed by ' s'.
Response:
11 h 07 min
